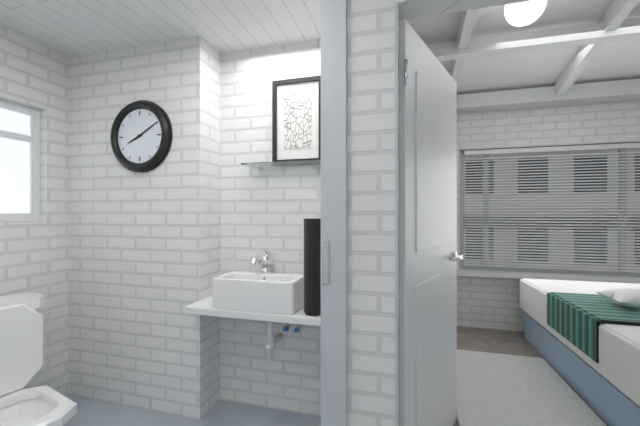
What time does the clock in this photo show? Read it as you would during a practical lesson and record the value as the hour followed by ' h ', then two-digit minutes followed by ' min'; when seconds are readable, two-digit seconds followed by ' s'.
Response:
8 h 10 min
